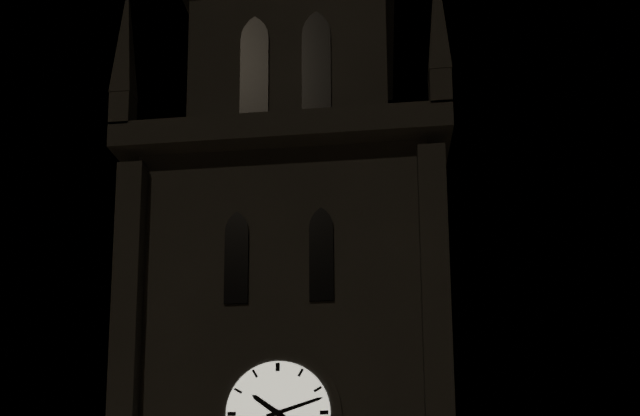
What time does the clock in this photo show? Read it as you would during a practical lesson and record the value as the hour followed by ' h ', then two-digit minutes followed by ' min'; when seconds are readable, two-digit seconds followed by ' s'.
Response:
10 h 12 min
